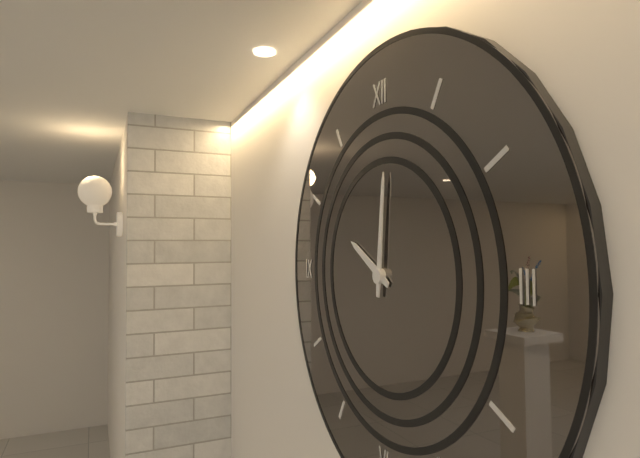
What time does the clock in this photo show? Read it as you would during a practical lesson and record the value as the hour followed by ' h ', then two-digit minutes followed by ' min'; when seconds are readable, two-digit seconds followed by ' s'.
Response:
10 h 01 min
